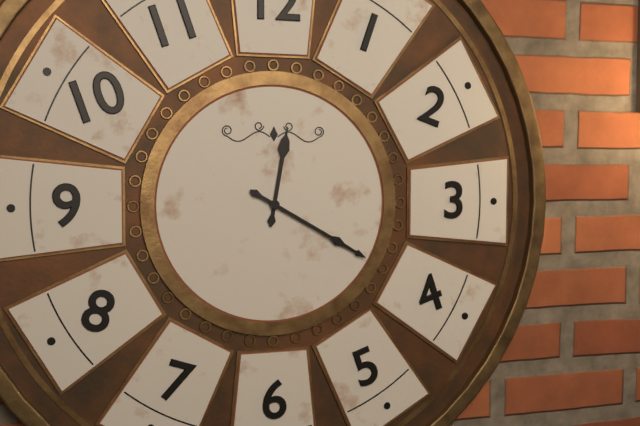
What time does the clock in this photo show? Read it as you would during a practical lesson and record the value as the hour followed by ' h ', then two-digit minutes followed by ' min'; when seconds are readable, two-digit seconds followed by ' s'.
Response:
12 h 20 min
